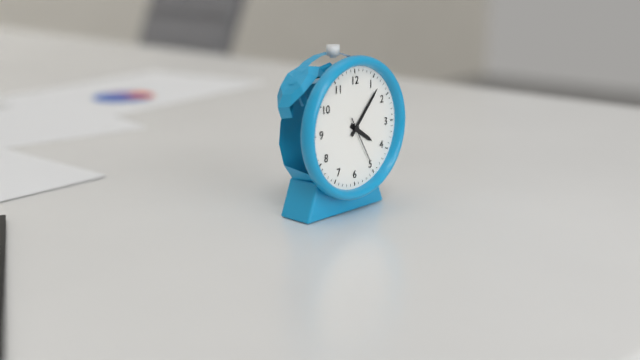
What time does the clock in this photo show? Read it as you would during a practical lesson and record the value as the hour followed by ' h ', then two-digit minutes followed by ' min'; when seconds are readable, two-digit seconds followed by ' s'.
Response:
4 h 07 min
